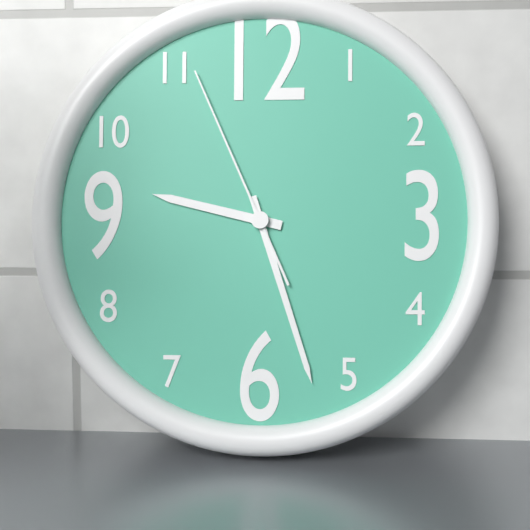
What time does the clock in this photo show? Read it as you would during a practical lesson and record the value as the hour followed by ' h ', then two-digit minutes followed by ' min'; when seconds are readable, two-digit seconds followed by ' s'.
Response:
9 h 27 min 56 s
